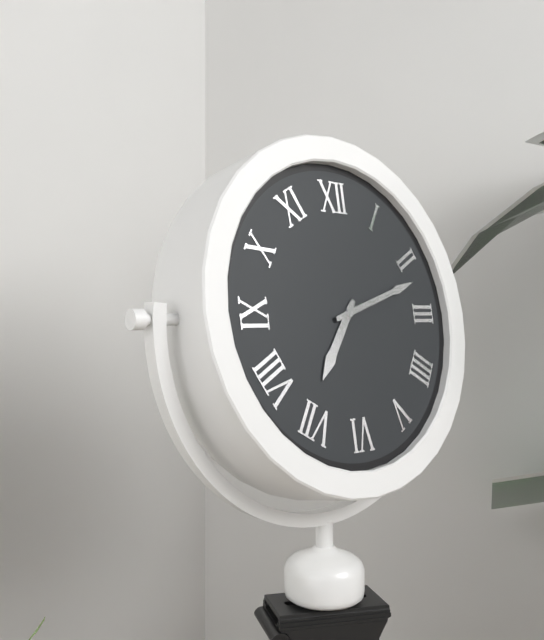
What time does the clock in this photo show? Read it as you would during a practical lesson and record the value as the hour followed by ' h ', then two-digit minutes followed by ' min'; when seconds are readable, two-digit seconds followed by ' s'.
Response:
7 h 12 min
